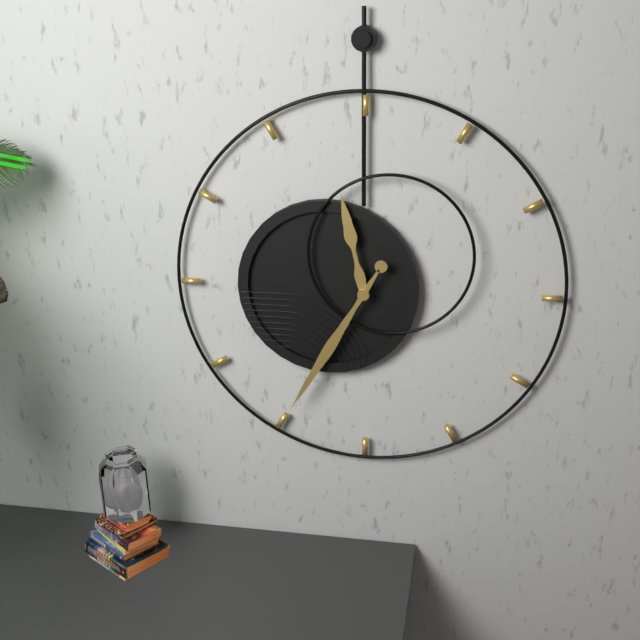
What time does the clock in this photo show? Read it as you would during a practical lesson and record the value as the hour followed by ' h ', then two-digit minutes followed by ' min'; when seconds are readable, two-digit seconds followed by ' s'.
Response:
11 h 35 min
